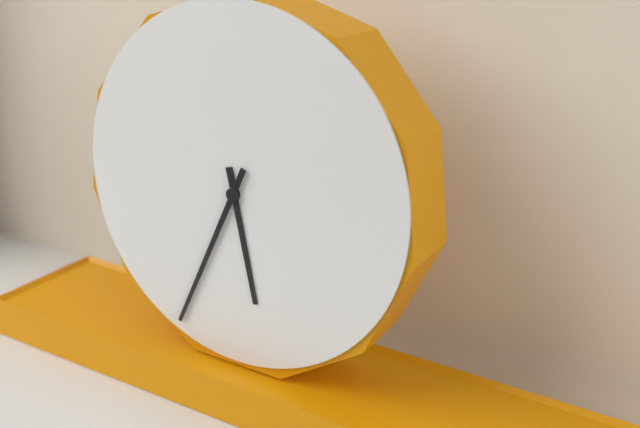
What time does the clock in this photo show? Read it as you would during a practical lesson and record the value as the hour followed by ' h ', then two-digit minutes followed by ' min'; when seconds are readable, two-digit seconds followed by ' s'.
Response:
5 h 34 min
